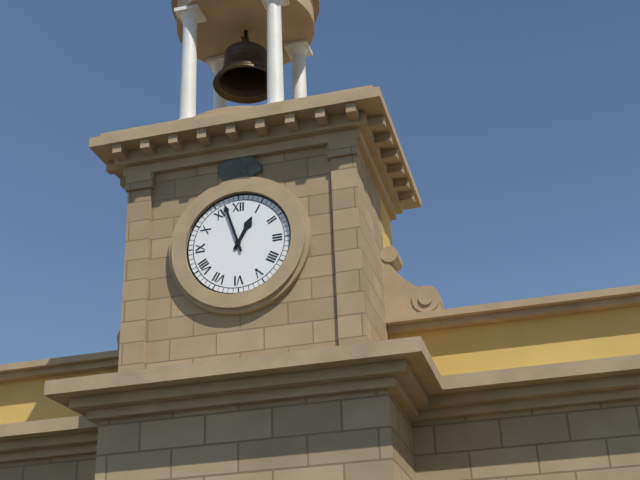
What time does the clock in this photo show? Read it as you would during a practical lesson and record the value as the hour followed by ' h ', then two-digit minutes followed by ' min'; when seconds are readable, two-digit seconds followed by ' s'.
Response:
12 h 57 min
